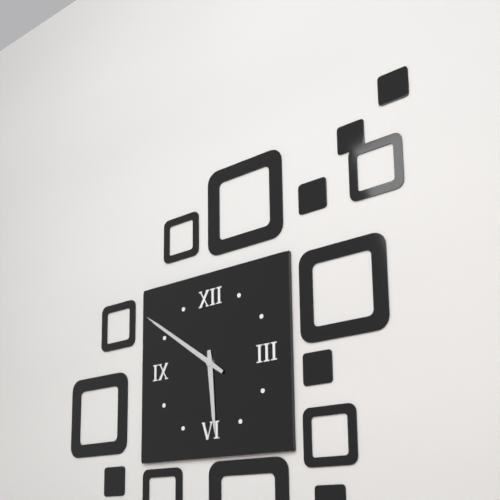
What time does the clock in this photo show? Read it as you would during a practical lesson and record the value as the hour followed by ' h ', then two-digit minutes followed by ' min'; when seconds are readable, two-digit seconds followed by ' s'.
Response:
5 h 51 min
